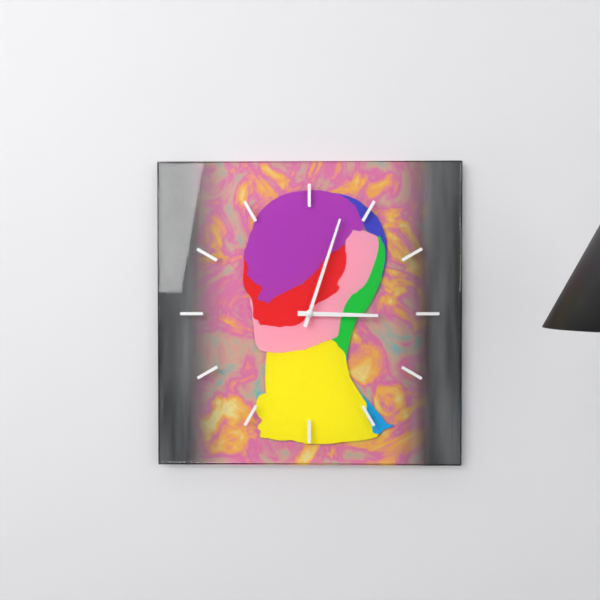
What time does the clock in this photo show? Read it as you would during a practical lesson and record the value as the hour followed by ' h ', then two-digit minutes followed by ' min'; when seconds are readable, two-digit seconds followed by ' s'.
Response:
3 h 03 min
